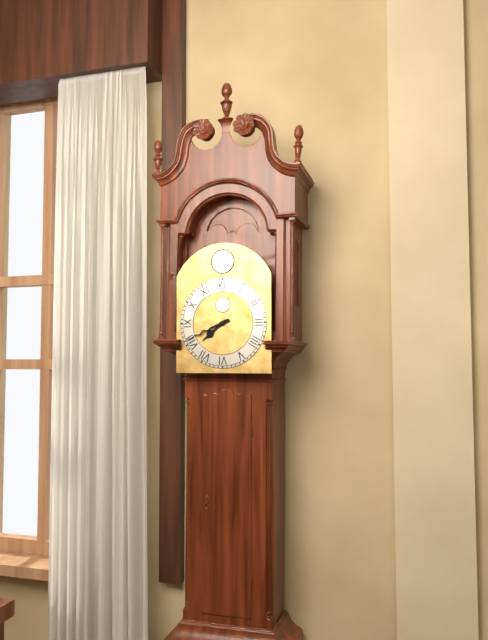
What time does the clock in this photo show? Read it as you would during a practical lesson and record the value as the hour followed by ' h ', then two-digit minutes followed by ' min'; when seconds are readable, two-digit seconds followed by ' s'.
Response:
7 h 41 min
